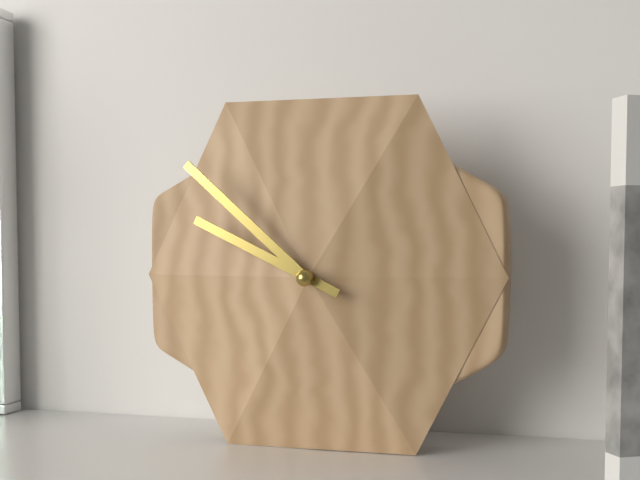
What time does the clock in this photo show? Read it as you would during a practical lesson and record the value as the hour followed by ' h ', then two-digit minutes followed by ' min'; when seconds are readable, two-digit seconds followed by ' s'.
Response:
9 h 52 min
